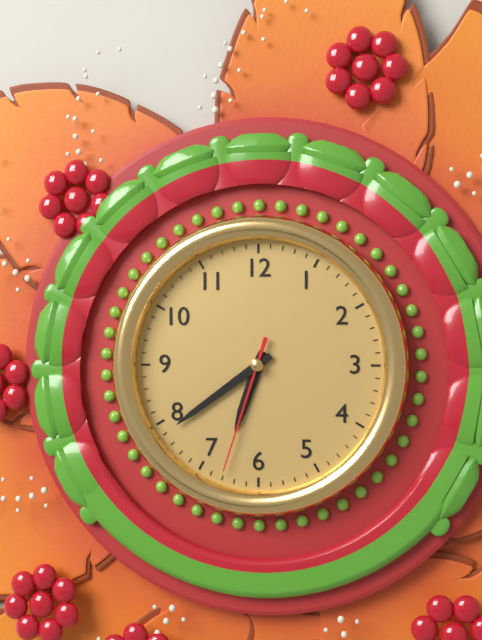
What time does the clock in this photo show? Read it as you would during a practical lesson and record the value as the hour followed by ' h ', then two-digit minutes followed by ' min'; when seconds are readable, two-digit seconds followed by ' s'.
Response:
6 h 39 min 33 s
